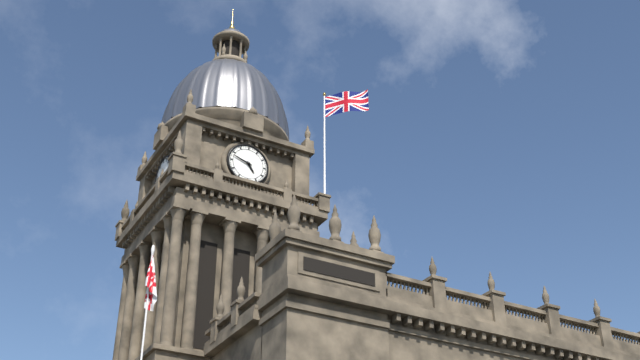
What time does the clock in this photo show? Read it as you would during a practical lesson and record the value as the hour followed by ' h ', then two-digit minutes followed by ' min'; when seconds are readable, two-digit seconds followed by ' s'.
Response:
4 h 48 min
